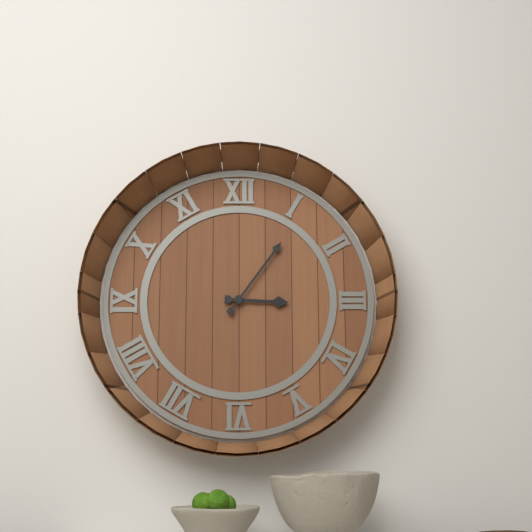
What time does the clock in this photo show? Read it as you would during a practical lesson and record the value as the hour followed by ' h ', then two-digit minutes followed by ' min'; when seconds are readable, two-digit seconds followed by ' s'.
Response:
3 h 06 min
